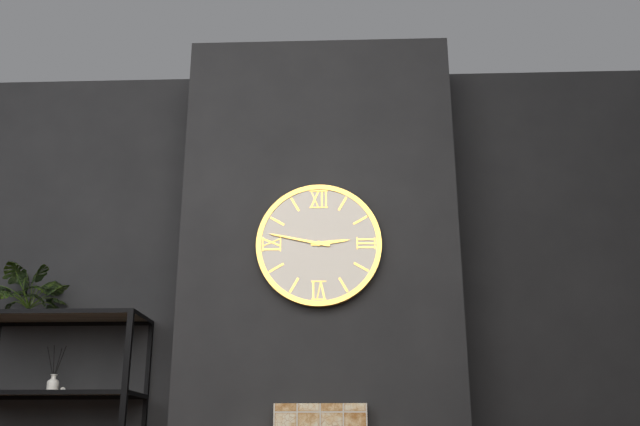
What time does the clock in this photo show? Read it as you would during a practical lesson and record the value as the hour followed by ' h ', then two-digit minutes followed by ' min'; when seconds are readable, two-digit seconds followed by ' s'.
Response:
2 h 47 min
